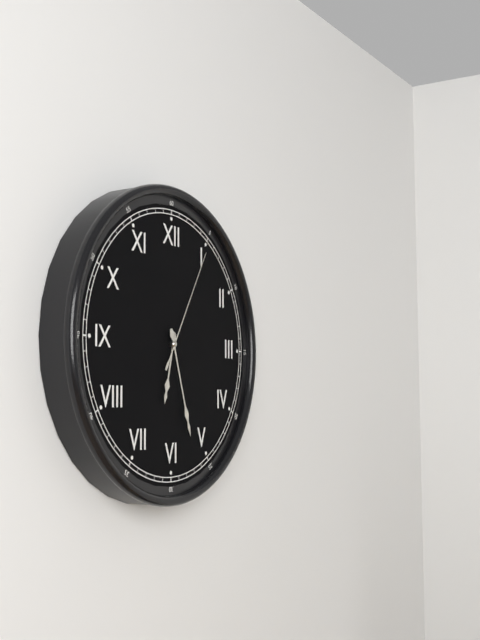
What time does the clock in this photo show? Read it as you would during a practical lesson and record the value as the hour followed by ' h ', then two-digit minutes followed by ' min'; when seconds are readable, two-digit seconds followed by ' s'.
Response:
6 h 27 min 05 s
